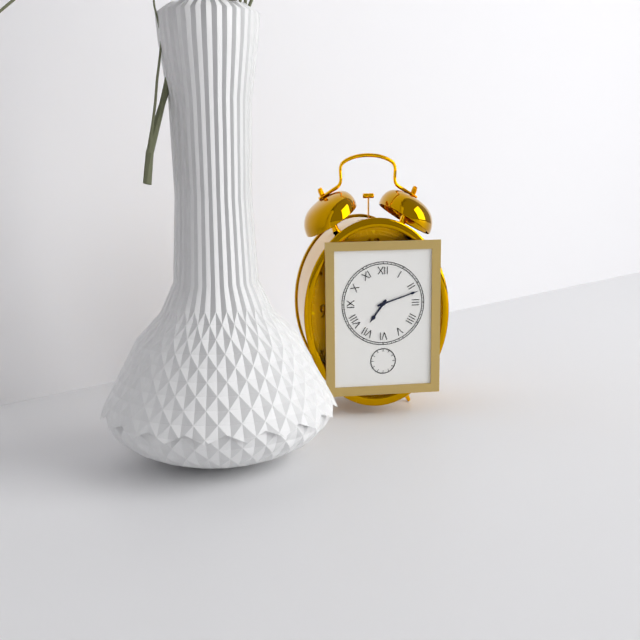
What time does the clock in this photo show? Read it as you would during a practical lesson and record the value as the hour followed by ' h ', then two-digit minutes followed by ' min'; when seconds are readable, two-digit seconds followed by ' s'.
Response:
7 h 12 min
